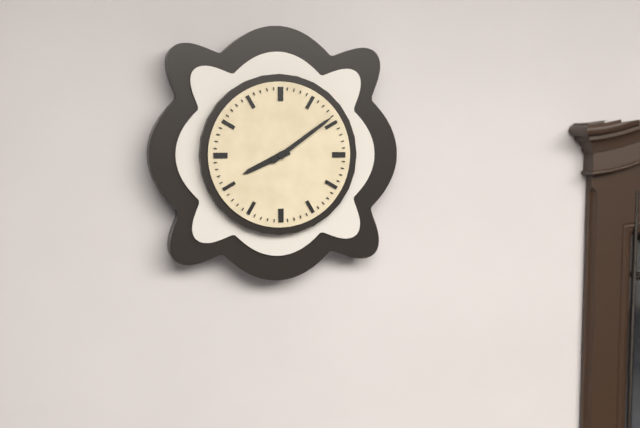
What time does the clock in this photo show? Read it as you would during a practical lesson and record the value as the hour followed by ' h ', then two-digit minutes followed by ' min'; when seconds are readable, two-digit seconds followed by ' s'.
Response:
8 h 09 min
